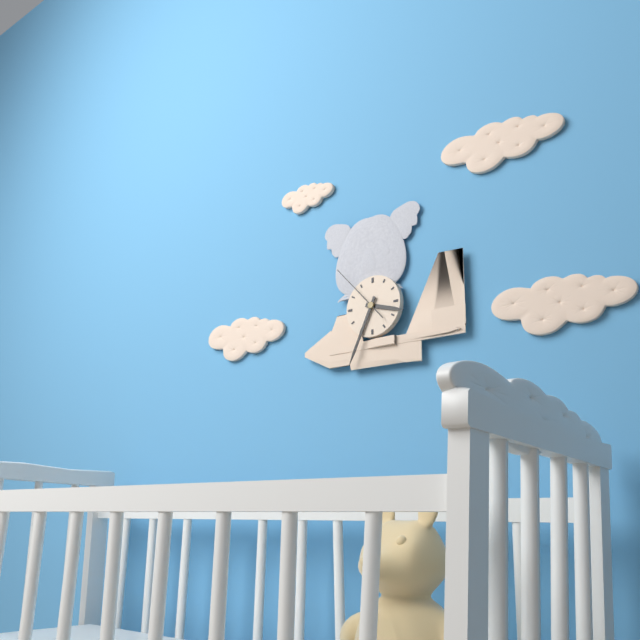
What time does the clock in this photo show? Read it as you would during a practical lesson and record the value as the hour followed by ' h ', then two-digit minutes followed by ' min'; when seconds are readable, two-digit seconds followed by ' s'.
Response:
3 h 34 min 53 s
